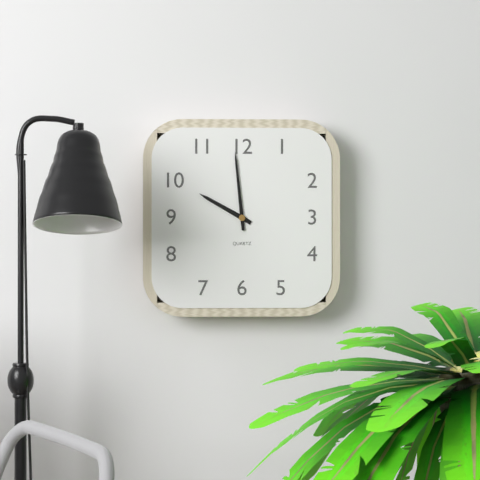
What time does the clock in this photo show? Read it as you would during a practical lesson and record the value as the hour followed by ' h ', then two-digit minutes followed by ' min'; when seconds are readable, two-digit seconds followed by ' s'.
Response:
9 h 59 min
